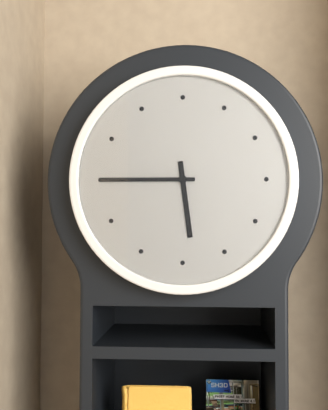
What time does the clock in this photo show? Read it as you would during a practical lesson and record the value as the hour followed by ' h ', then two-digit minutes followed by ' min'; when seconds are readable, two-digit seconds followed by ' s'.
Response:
5 h 45 min
